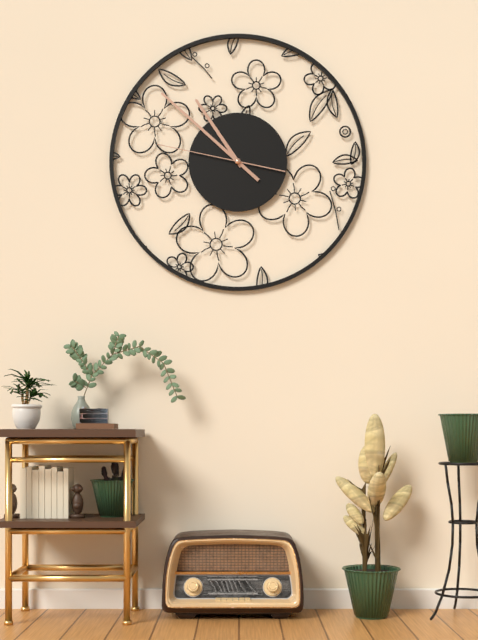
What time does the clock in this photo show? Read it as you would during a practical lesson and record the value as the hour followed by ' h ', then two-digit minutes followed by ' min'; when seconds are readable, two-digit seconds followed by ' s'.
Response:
10 h 52 min 47 s
